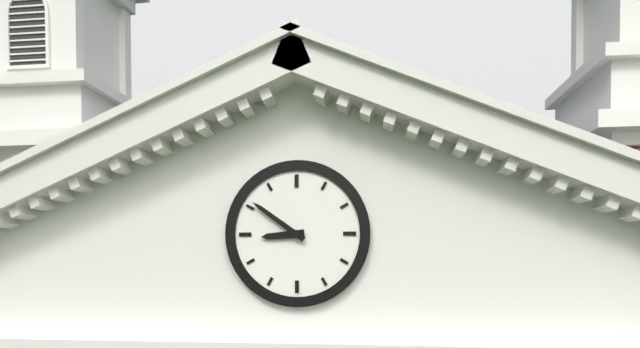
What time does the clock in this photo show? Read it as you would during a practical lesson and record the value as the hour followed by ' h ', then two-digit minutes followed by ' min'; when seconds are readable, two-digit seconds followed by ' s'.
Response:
8 h 51 min
